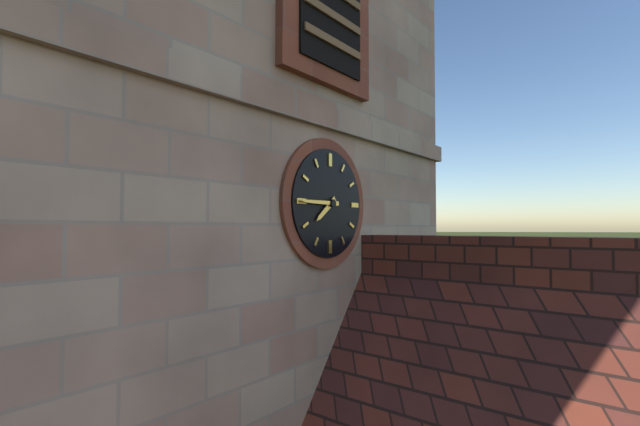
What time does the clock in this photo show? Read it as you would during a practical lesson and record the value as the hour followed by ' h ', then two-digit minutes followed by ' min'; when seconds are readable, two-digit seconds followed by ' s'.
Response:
7 h 45 min
